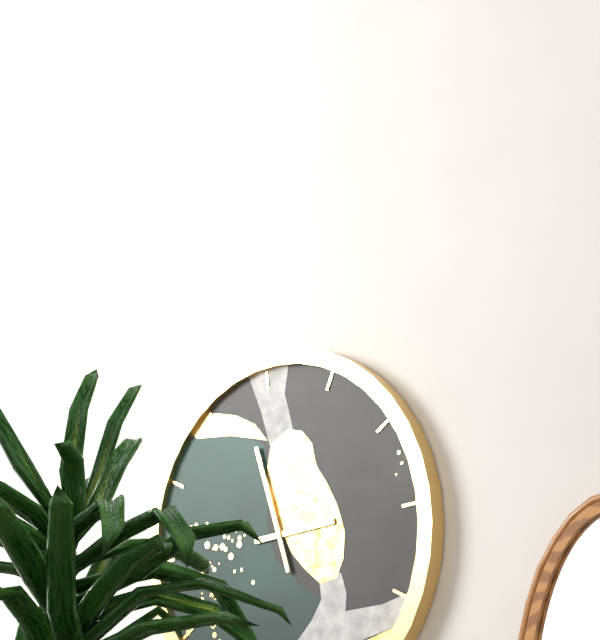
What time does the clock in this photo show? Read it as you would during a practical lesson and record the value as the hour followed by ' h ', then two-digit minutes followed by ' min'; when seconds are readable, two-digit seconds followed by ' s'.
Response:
2 h 58 min
